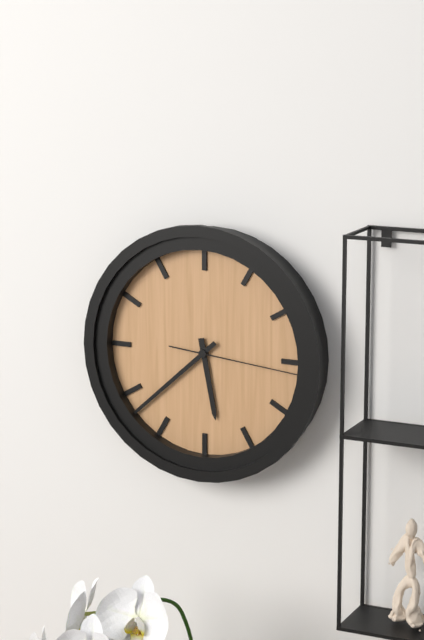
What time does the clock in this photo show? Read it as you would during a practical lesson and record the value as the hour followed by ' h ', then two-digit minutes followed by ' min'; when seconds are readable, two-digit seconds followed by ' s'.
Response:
5 h 38 min 16 s
